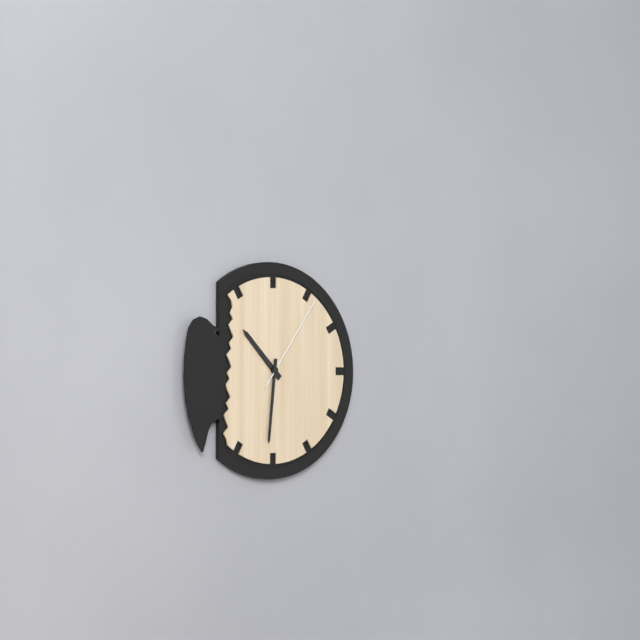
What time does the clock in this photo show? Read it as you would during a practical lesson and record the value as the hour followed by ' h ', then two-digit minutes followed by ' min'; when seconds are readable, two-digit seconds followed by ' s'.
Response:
10 h 31 min 06 s
